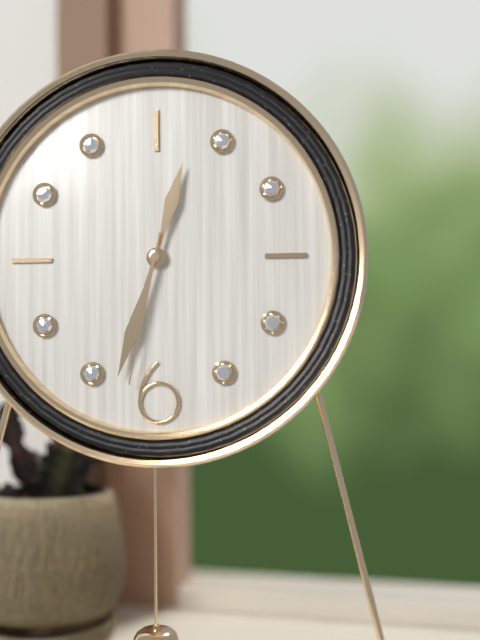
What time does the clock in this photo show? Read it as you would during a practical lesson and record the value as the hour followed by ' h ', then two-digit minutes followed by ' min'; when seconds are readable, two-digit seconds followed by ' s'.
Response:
12 h 33 min 32 s
